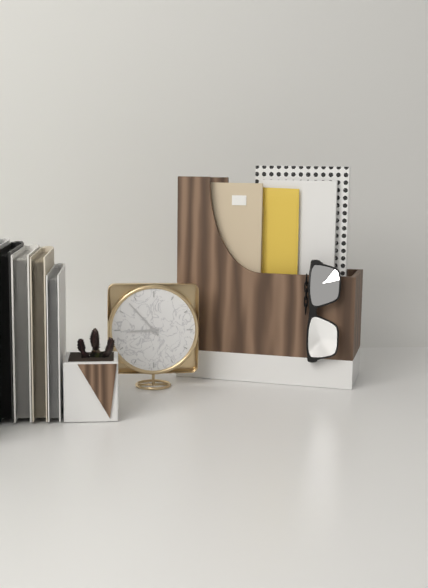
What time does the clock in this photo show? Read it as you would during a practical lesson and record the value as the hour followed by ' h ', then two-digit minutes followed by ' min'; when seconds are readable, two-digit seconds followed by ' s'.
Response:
8 h 53 min
